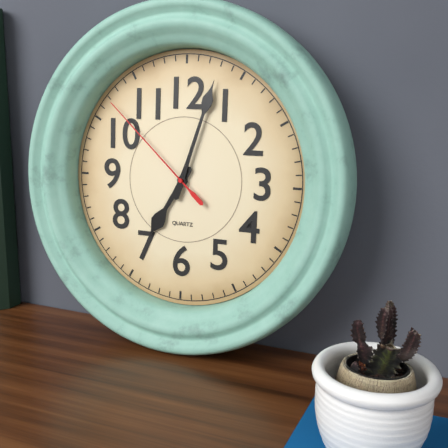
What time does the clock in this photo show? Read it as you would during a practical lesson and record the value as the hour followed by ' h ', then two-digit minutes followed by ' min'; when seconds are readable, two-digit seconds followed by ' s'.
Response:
7 h 03 min 52 s
